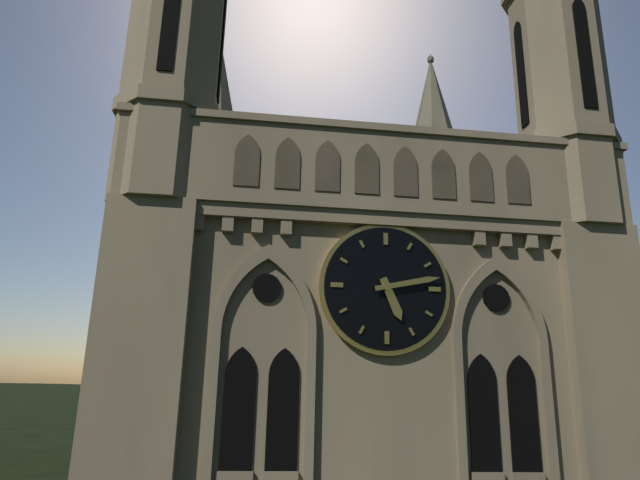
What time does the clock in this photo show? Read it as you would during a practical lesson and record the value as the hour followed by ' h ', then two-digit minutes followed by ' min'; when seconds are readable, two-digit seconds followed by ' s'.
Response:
5 h 13 min
